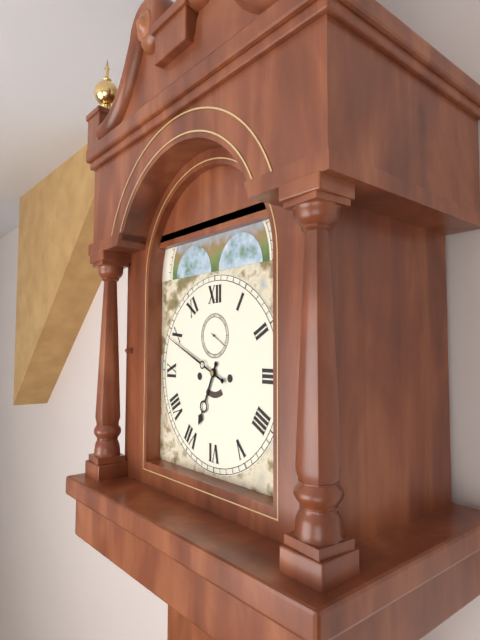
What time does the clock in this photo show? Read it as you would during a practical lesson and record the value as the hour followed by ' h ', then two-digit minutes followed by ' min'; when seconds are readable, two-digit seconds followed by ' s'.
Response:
6 h 49 min
